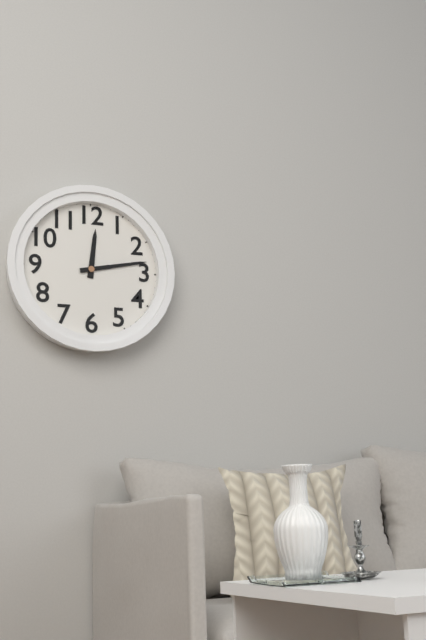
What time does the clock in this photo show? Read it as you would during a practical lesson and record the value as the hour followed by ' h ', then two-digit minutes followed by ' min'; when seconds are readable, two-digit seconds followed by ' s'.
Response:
12 h 13 min
